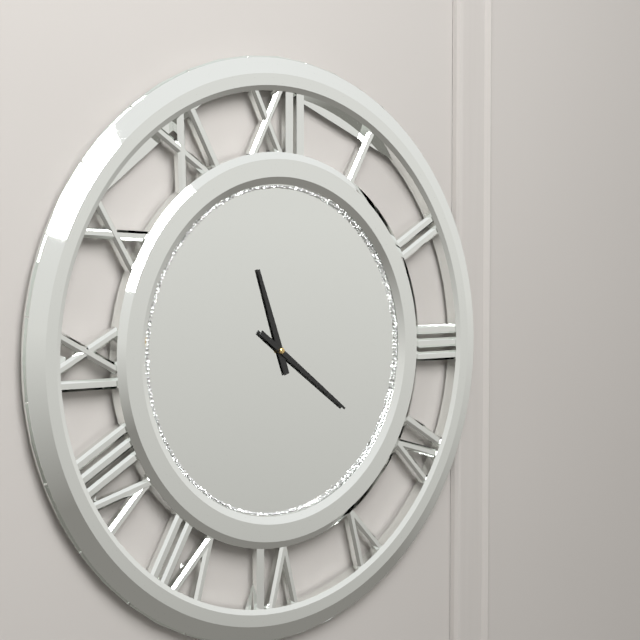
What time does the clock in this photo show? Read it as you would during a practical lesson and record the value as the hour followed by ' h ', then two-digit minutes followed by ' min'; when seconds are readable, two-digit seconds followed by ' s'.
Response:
11 h 21 min
